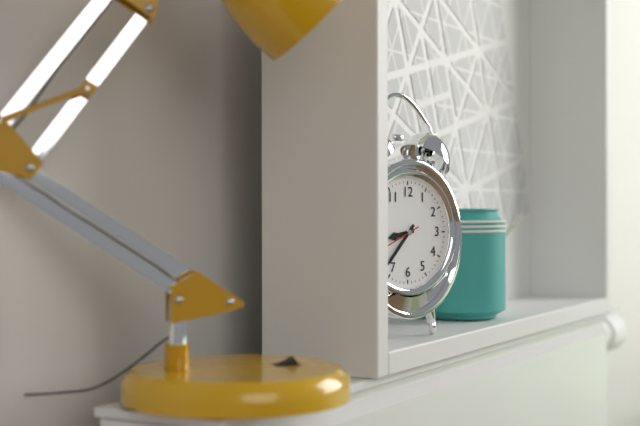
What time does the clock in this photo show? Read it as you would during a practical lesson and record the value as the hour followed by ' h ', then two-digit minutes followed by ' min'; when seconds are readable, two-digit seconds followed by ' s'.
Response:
8 h 37 min
